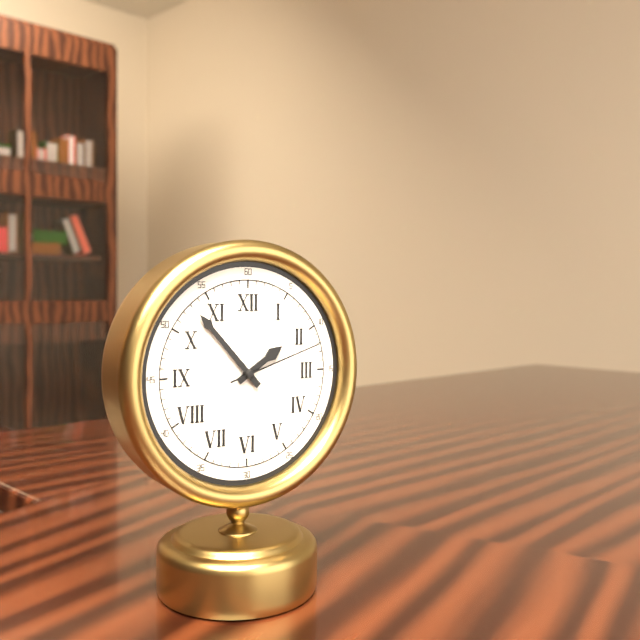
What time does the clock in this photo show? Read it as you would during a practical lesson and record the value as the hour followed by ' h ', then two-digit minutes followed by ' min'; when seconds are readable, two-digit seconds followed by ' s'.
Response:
1 h 53 min 12 s
